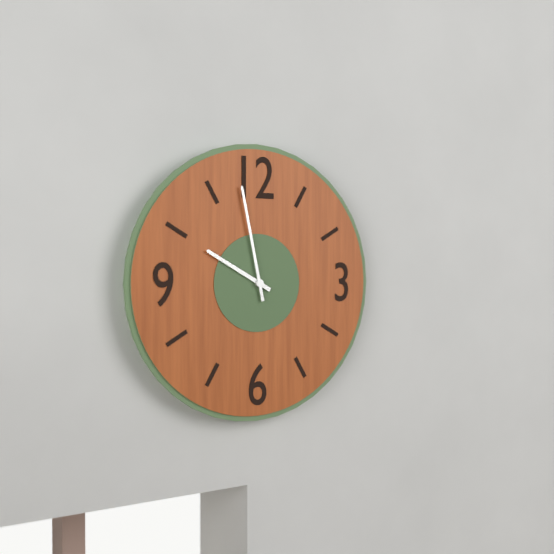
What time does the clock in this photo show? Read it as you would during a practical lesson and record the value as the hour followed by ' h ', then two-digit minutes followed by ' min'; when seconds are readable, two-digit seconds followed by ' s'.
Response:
9 h 58 min
